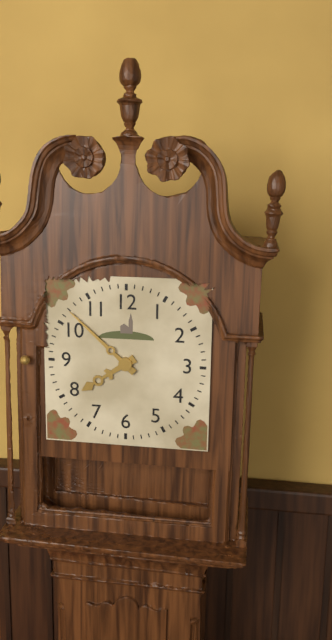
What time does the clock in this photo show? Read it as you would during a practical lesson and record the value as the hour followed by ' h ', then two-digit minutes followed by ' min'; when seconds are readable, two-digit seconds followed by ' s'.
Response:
7 h 52 min
